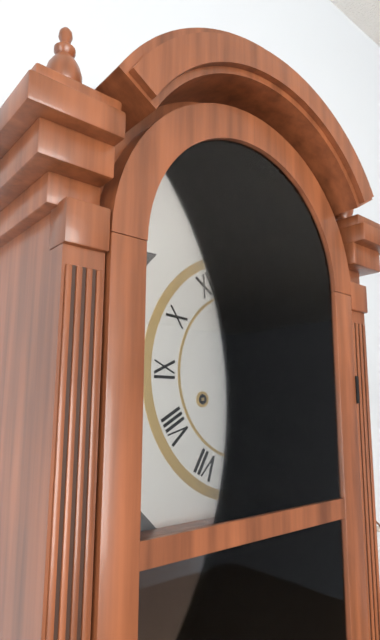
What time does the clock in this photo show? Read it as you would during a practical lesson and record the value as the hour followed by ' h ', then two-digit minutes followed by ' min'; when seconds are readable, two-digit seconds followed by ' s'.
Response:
3 h 01 min
